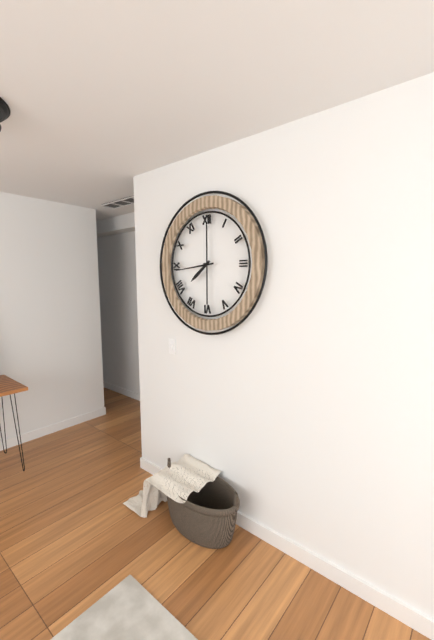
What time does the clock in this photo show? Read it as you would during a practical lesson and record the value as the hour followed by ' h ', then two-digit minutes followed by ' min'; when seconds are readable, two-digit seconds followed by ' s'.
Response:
7 h 44 min
